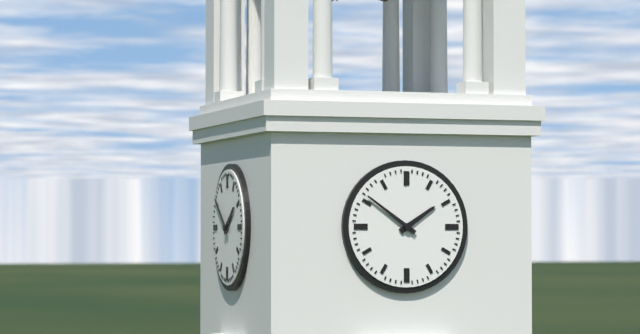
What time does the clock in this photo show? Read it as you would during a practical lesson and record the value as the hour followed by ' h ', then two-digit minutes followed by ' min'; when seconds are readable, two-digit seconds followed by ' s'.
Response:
1 h 51 min
